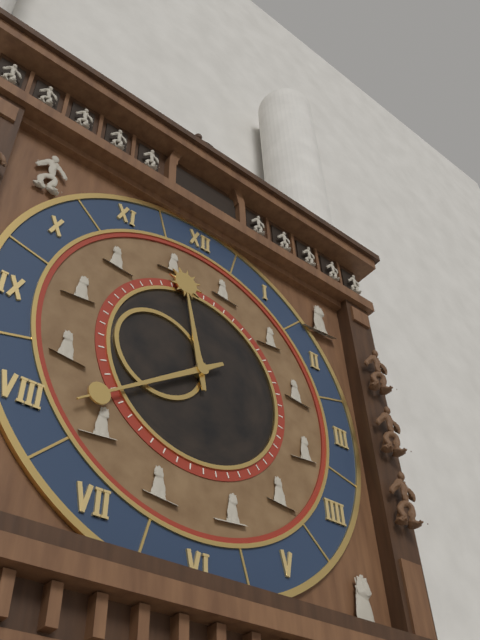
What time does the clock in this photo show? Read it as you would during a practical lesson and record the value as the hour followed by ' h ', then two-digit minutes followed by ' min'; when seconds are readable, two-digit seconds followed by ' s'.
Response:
11 h 39 min
